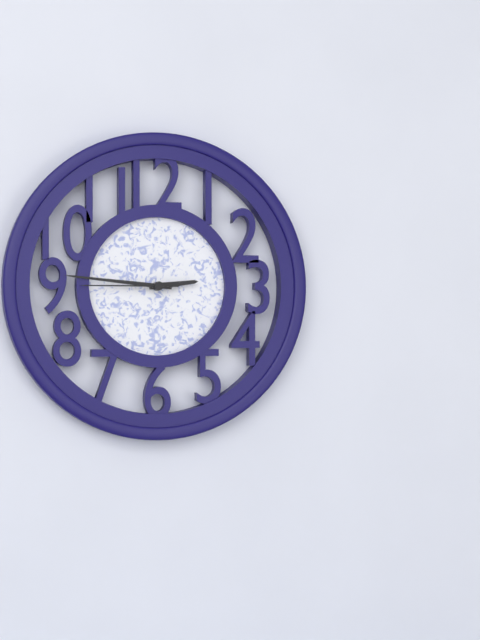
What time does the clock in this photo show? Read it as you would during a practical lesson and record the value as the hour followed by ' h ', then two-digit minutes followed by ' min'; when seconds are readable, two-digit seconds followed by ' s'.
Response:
2 h 46 min 45 s
